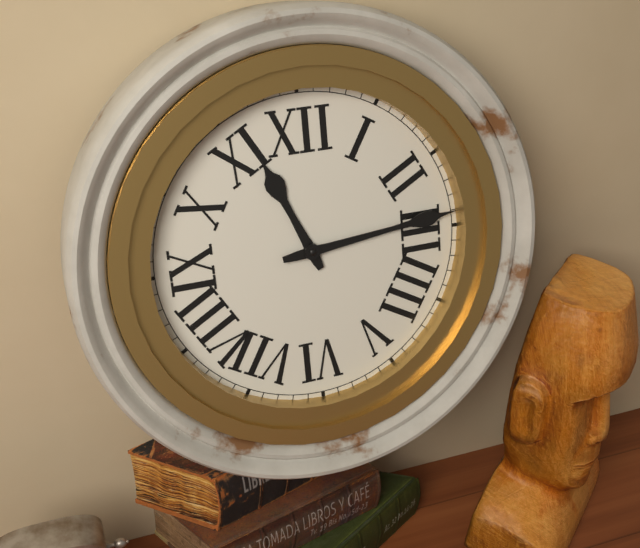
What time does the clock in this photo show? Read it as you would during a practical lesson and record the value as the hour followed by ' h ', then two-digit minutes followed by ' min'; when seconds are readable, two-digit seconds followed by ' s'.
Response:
11 h 14 min
